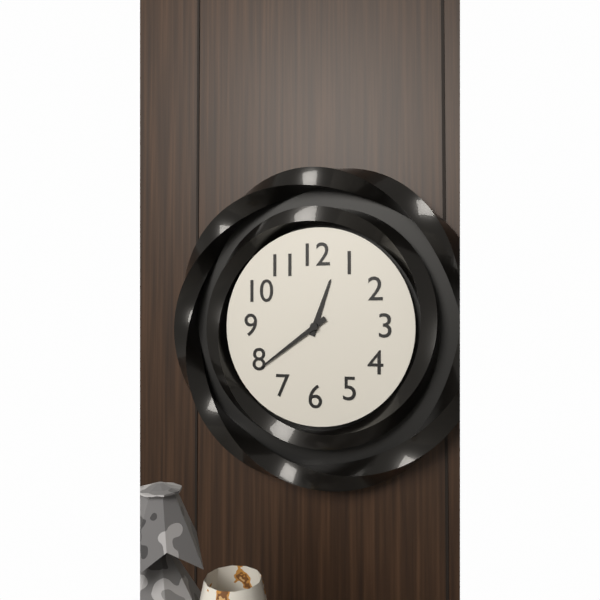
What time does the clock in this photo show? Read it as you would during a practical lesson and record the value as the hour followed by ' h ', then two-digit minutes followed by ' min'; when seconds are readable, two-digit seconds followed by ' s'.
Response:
12 h 39 min
